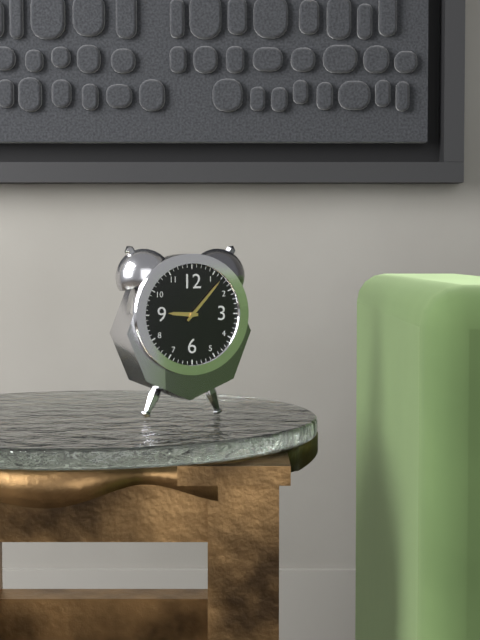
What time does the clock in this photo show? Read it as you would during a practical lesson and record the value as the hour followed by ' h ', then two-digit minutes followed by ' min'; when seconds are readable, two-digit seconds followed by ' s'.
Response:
9 h 07 min
